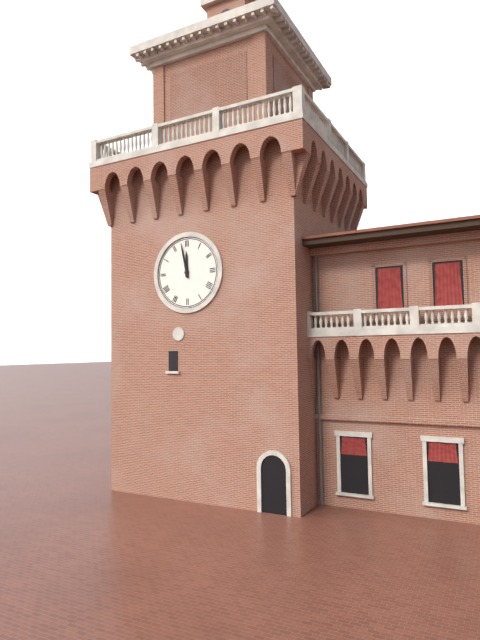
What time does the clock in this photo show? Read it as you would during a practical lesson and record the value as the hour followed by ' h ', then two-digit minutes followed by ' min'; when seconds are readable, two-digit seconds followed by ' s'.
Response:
11 h 58 min
